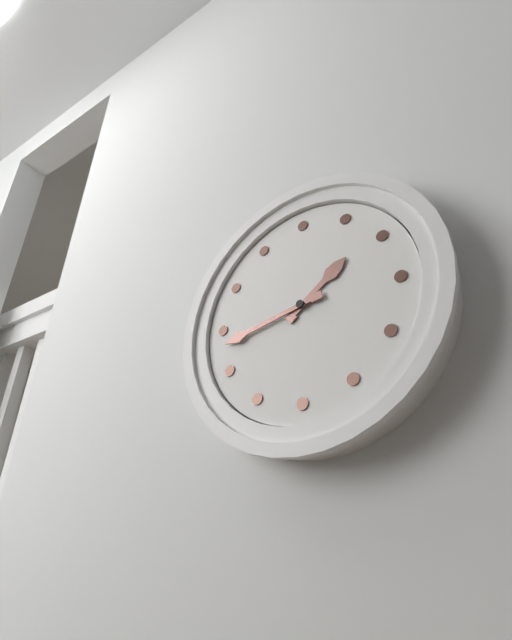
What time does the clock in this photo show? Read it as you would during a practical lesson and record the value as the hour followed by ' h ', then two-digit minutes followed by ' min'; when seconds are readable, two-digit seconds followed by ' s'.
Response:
1 h 43 min
